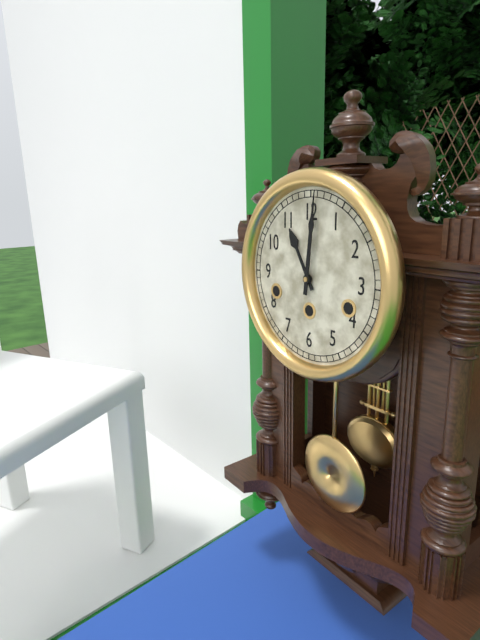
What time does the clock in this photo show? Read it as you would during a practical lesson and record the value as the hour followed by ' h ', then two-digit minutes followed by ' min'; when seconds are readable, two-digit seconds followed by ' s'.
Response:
11 h 01 min
